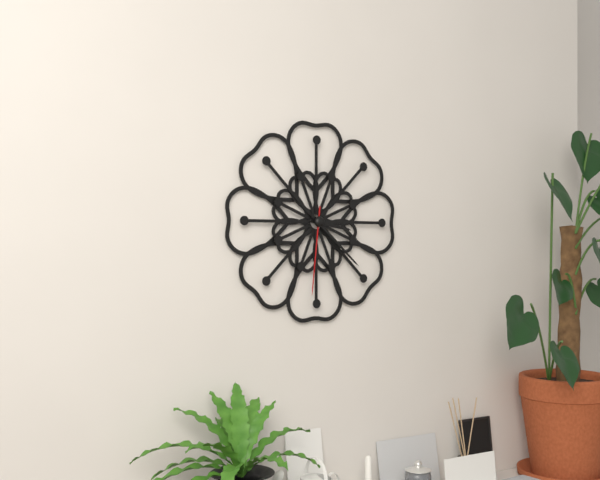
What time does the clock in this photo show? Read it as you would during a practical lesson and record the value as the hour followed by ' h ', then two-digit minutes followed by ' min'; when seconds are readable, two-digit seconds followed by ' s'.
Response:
3 h 22 min 31 s
